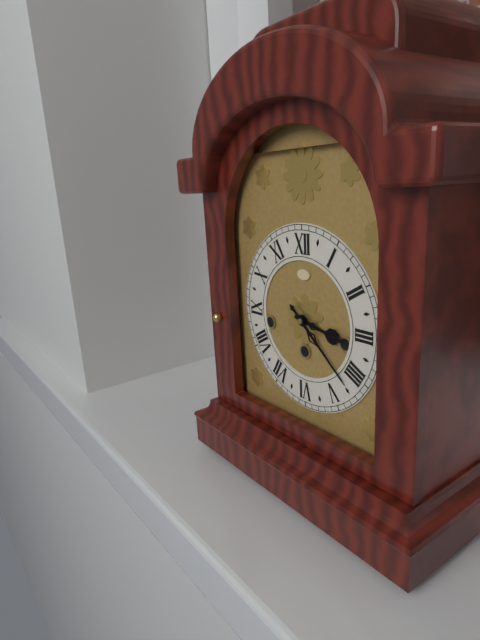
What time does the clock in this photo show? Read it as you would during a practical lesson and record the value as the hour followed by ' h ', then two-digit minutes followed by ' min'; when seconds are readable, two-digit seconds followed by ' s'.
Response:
3 h 22 min
